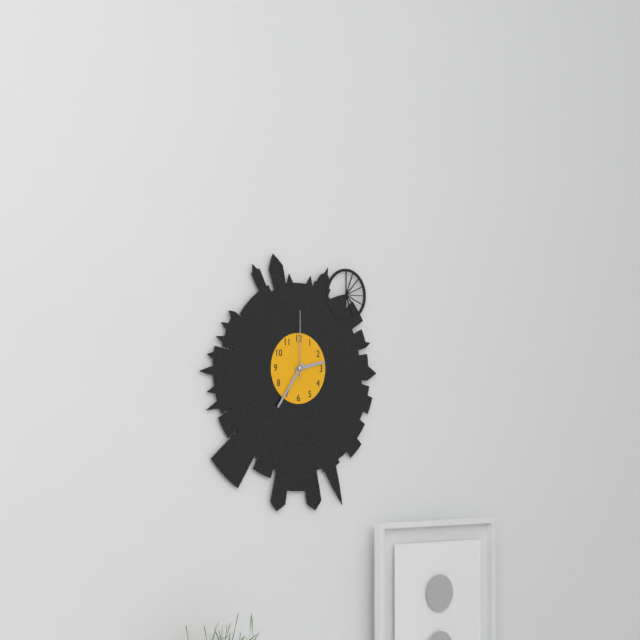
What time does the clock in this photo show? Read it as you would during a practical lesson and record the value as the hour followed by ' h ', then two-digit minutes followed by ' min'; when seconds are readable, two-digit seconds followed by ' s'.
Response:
2 h 36 min 00 s
